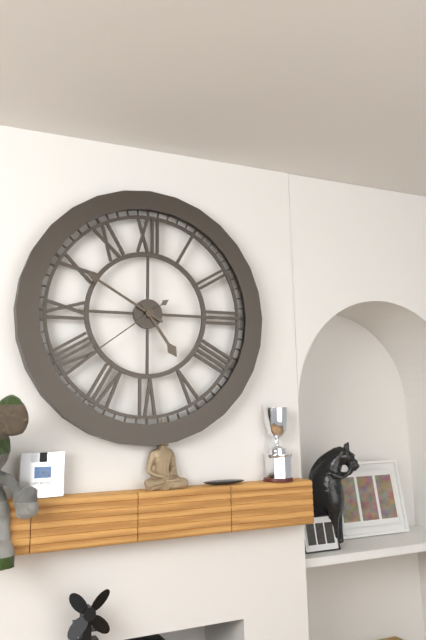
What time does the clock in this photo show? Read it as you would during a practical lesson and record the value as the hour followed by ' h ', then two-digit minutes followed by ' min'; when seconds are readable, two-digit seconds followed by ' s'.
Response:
4 h 50 min 39 s
